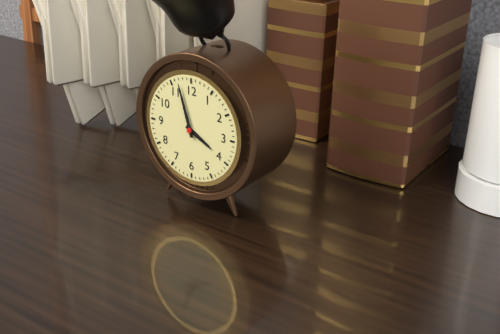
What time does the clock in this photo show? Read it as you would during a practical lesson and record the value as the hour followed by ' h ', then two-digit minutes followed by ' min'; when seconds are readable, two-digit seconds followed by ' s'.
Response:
3 h 57 min
